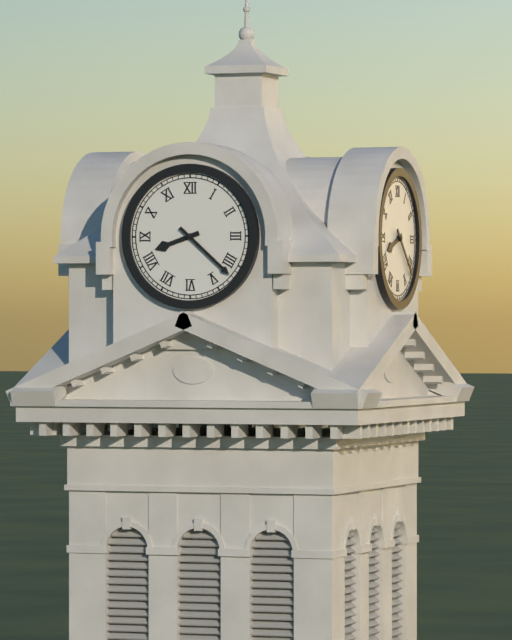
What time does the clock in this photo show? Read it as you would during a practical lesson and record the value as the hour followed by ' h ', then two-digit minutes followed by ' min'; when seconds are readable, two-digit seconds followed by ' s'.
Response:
8 h 22 min
